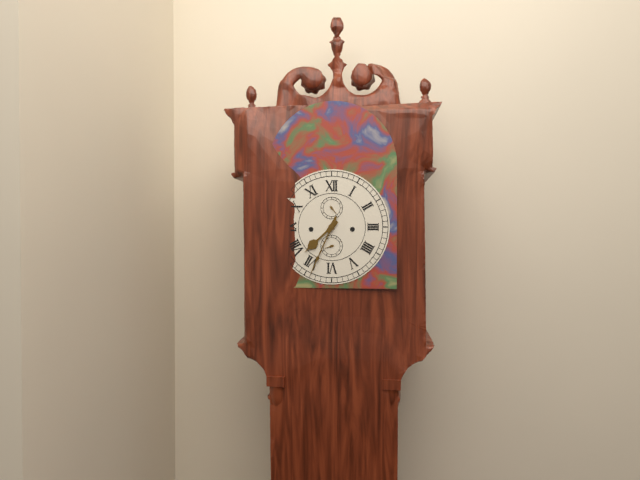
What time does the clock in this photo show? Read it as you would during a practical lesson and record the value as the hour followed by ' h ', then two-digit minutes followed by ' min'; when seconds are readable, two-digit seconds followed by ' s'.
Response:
7 h 34 min
